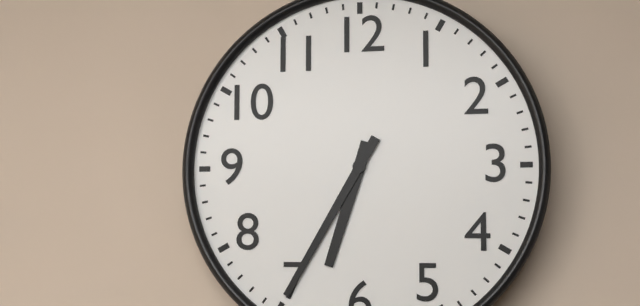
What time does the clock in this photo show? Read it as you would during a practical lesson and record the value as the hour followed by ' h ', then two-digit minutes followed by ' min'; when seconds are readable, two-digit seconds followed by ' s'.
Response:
6 h 35 min
